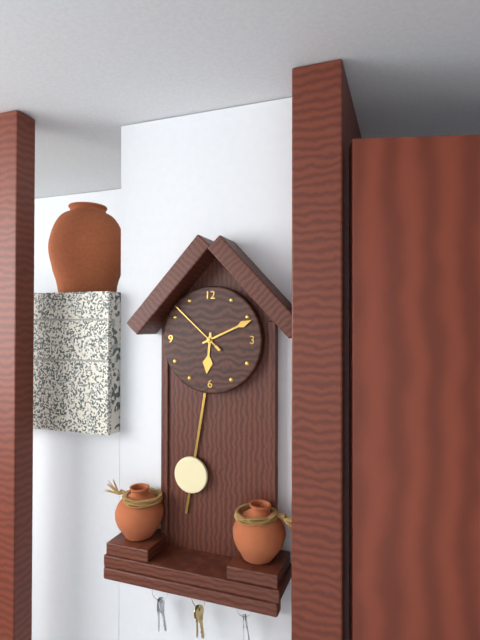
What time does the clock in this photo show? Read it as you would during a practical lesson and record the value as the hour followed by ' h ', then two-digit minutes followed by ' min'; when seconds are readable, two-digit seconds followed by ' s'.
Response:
6 h 11 min 52 s
